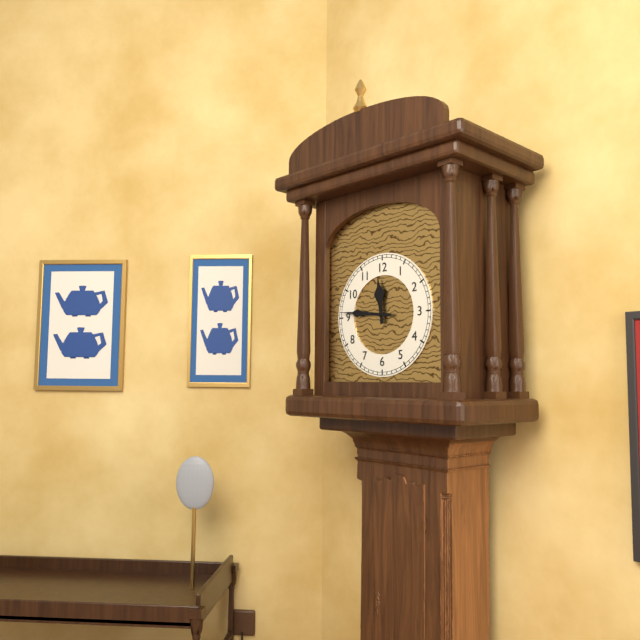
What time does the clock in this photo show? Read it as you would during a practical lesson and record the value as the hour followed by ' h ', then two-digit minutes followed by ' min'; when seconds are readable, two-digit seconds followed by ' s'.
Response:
11 h 46 min
